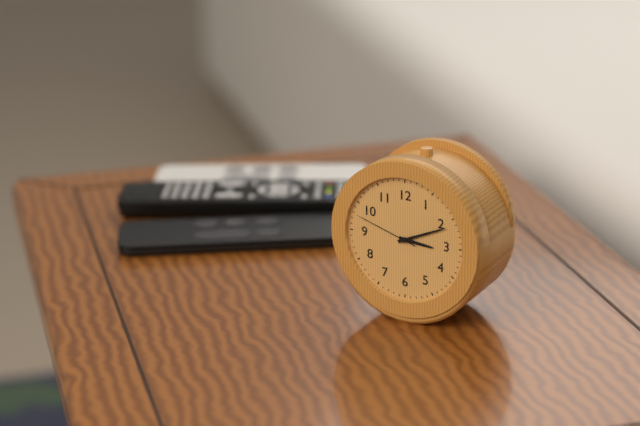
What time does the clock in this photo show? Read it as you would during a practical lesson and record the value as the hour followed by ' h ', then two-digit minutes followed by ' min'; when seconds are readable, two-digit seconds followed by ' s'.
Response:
3 h 11 min 48 s
